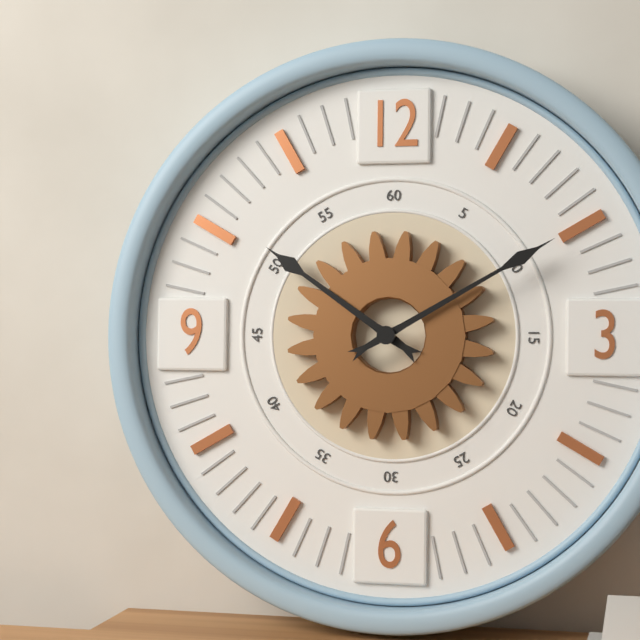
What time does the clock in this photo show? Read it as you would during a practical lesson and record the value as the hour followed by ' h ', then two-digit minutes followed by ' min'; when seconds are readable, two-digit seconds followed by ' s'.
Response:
10 h 10 min
